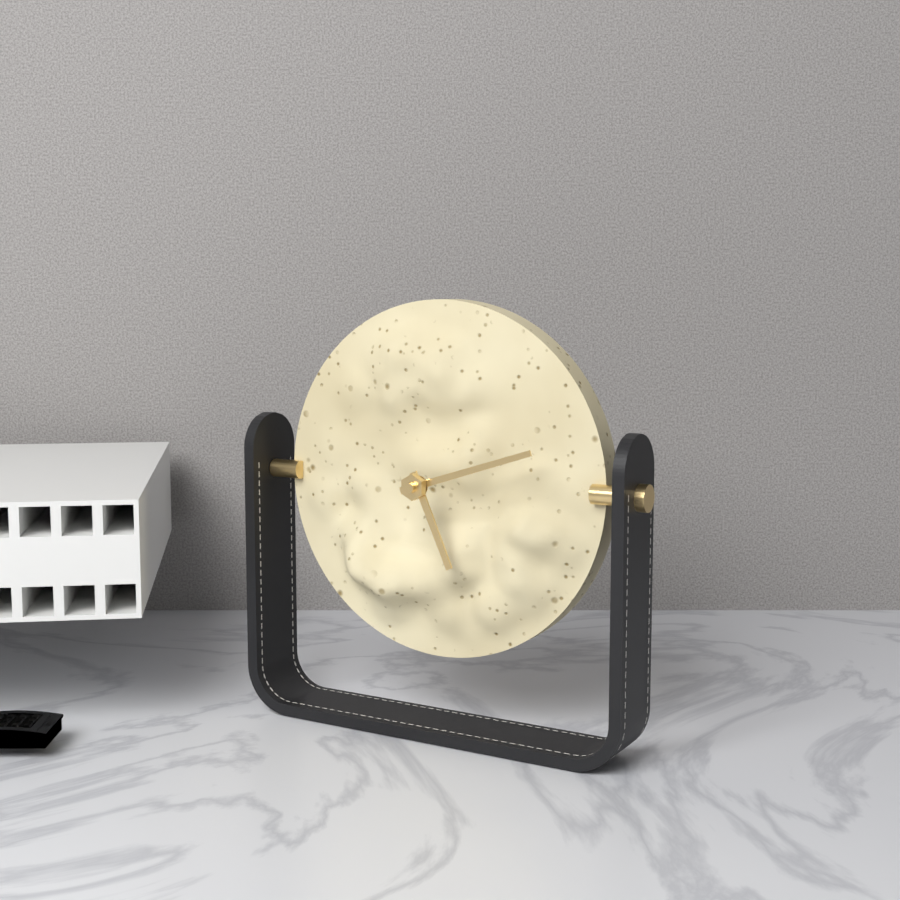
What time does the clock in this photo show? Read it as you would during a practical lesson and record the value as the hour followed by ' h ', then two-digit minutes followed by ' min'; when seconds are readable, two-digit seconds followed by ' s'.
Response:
5 h 12 min
